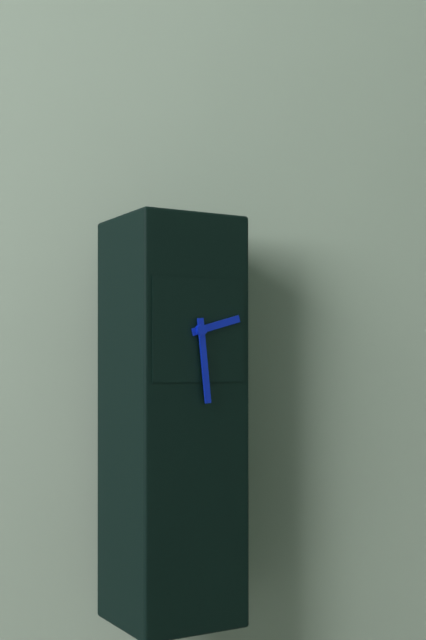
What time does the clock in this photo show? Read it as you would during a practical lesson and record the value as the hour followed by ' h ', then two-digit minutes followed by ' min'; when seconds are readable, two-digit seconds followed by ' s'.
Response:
2 h 29 min
